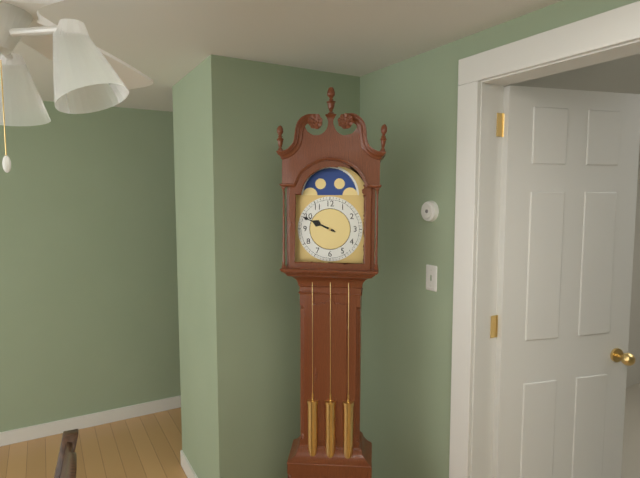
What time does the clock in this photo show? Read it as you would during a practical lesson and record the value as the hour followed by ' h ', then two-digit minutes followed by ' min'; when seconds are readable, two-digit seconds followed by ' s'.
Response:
9 h 49 min
